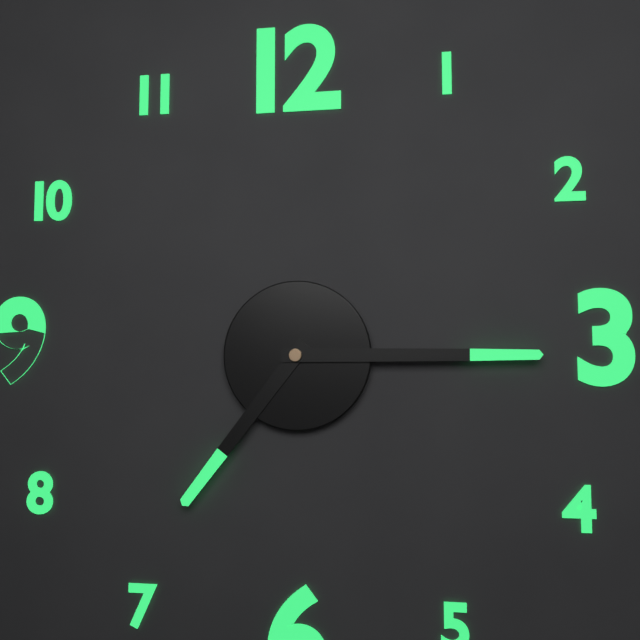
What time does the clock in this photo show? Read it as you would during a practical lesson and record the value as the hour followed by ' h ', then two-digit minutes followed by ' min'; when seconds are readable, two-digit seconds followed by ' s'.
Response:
7 h 15 min
